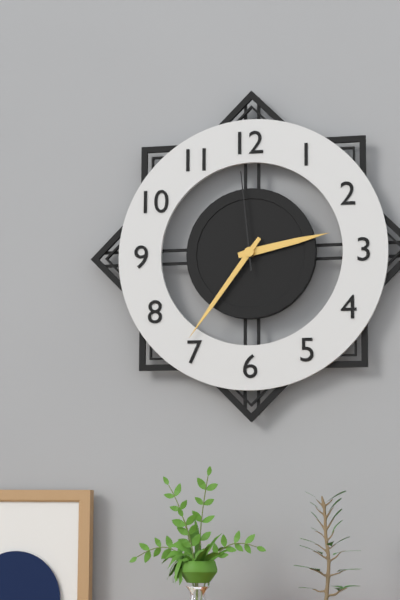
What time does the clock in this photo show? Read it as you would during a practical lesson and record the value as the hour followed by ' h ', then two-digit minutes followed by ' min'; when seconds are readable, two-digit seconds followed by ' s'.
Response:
2 h 36 min 59 s
